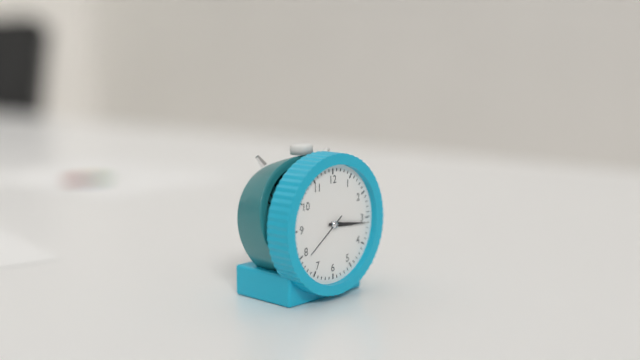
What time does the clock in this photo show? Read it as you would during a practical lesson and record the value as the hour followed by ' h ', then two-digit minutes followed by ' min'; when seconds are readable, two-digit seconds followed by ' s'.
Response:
3 h 16 min
